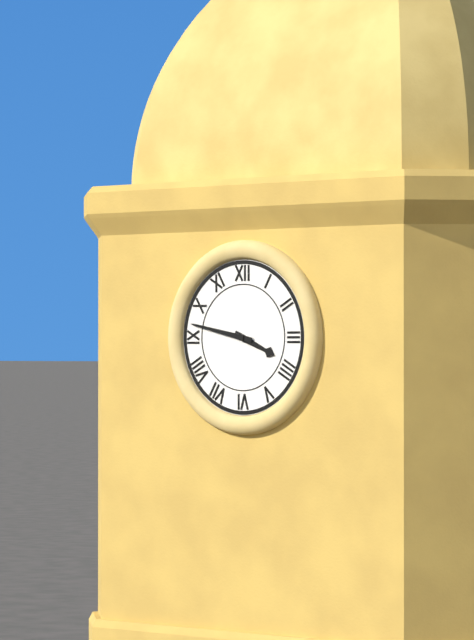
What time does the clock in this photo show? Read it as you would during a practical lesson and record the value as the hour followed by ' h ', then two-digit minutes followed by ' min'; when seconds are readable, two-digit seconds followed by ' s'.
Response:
3 h 47 min
